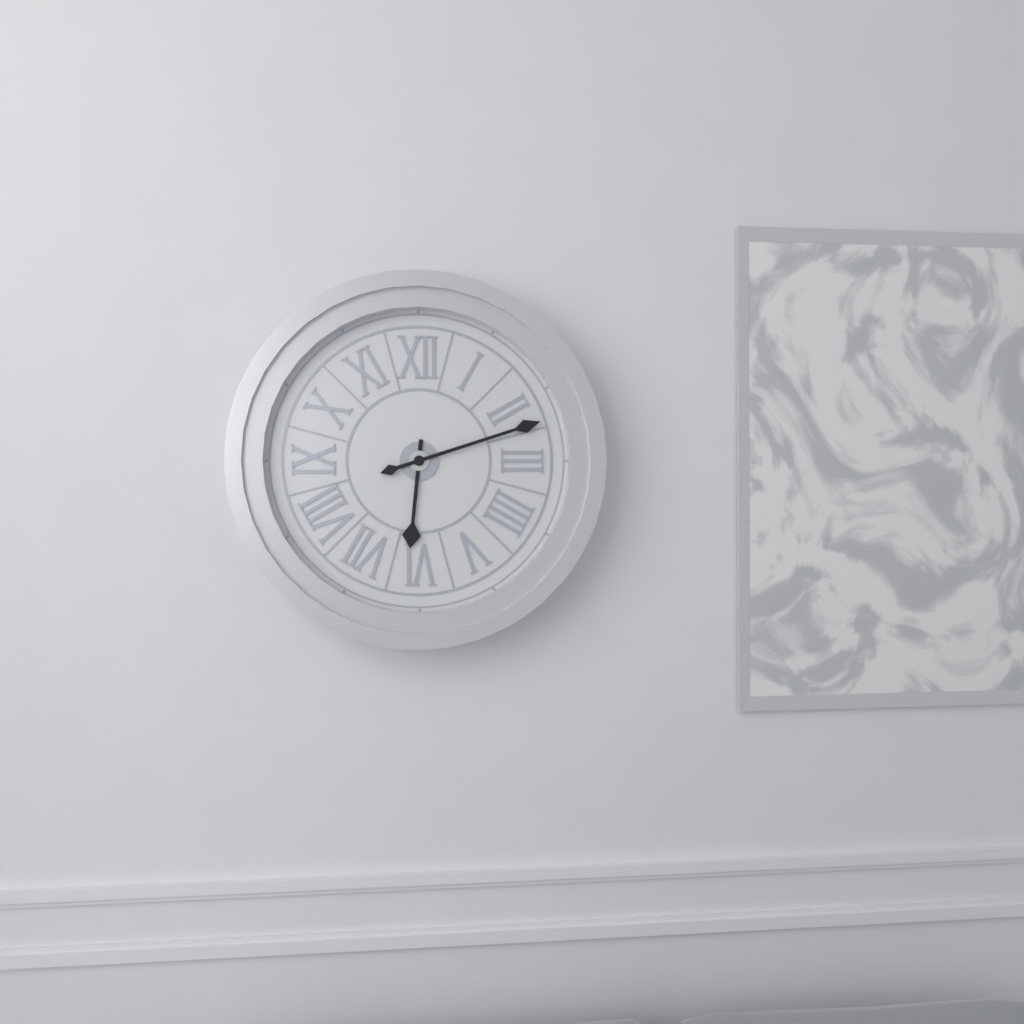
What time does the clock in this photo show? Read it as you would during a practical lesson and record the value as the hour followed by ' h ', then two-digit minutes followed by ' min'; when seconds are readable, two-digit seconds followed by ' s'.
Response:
6 h 12 min
